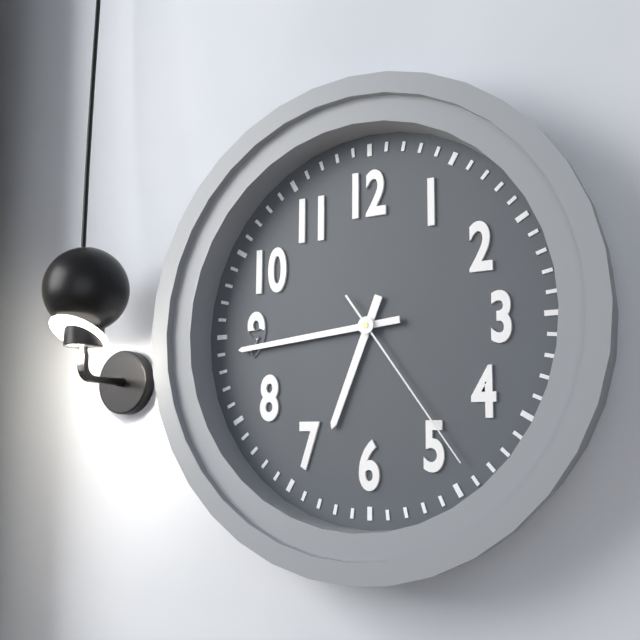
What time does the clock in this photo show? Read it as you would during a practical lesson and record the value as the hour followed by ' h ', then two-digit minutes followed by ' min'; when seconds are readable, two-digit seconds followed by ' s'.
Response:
6 h 44 min 24 s
